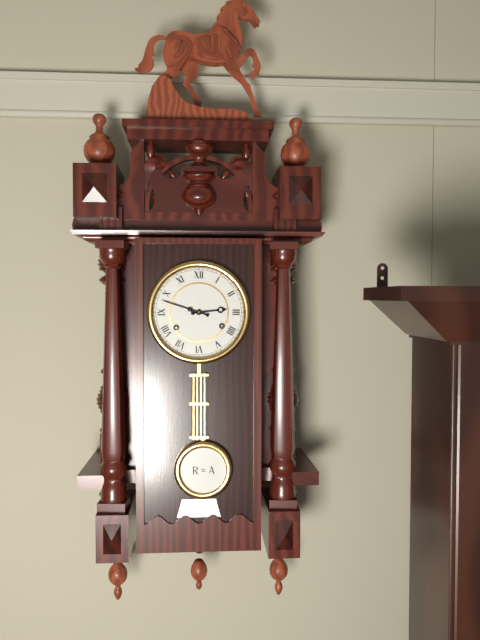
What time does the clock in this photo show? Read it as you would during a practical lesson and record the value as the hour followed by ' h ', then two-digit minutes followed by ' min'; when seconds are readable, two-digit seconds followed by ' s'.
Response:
2 h 48 min
